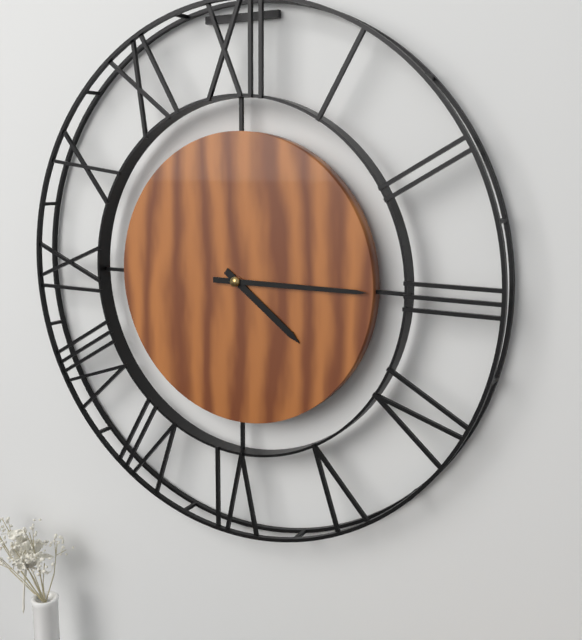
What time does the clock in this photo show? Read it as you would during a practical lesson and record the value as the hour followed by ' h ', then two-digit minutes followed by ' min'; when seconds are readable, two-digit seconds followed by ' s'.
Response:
4 h 15 min
